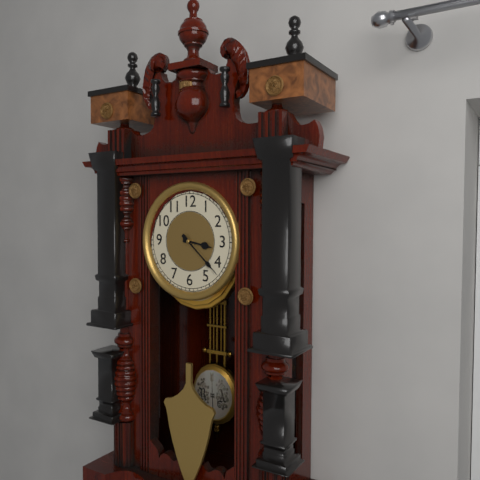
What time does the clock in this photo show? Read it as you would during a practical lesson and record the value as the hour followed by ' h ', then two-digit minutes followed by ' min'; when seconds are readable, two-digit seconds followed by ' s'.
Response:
3 h 22 min
